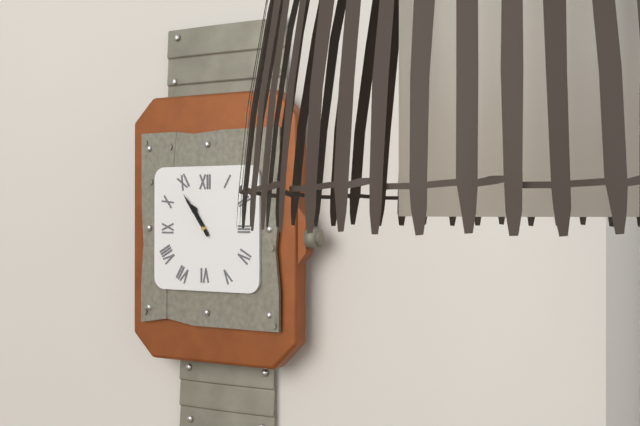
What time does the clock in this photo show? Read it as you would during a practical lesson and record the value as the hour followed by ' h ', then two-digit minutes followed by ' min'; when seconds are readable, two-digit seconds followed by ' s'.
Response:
10 h 54 min
